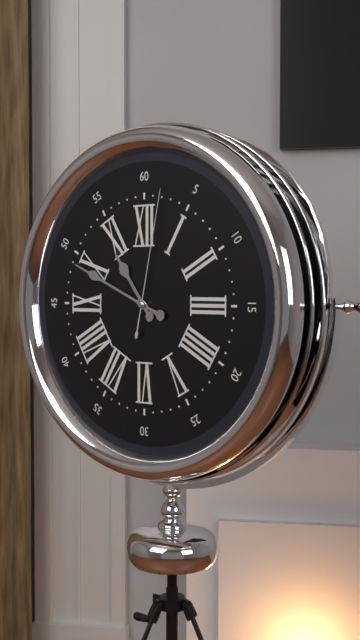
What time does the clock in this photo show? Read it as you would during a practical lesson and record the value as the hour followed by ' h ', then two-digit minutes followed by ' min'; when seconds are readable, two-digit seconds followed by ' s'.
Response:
10 h 49 min 02 s
